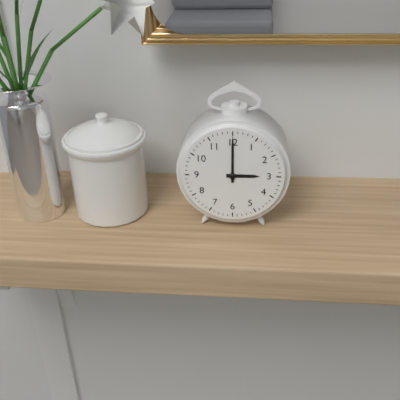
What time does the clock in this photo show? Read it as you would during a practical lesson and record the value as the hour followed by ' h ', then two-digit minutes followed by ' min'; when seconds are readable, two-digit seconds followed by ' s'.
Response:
3 h 00 min
